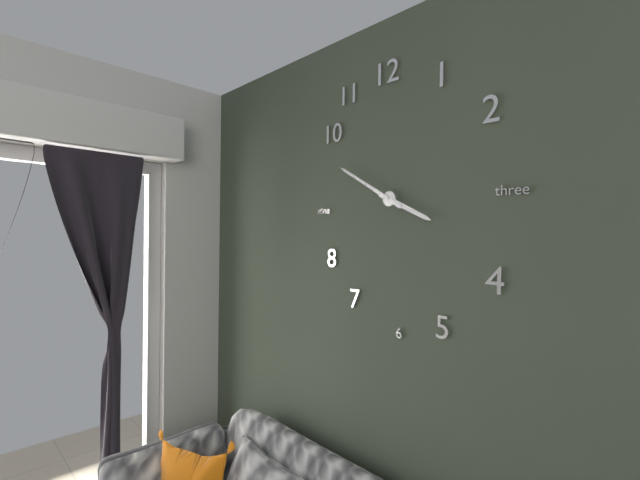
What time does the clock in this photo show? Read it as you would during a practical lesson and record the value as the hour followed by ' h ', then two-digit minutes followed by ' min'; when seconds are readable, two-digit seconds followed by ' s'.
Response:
3 h 50 min
